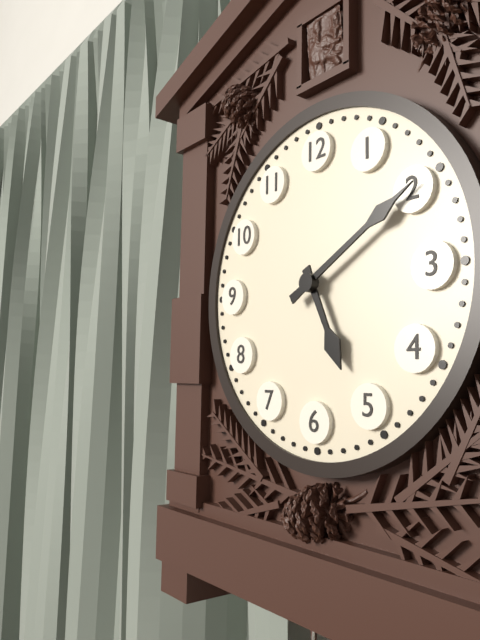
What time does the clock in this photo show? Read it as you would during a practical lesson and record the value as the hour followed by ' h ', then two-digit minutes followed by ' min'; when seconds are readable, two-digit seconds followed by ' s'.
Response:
5 h 10 min
